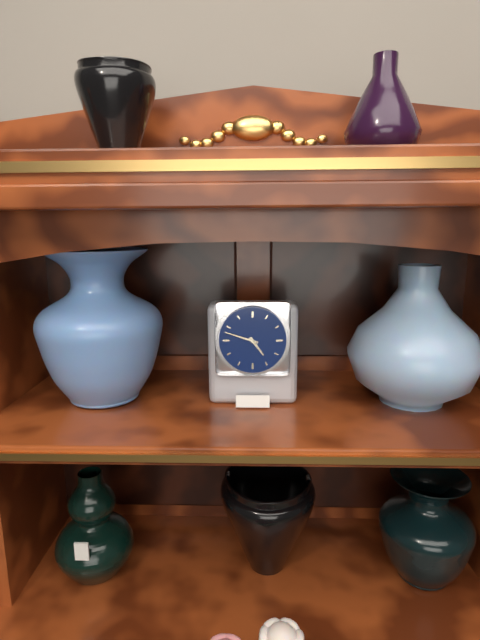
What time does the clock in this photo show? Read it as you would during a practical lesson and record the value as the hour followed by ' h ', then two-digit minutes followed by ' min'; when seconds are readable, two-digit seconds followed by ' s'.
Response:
4 h 48 min
